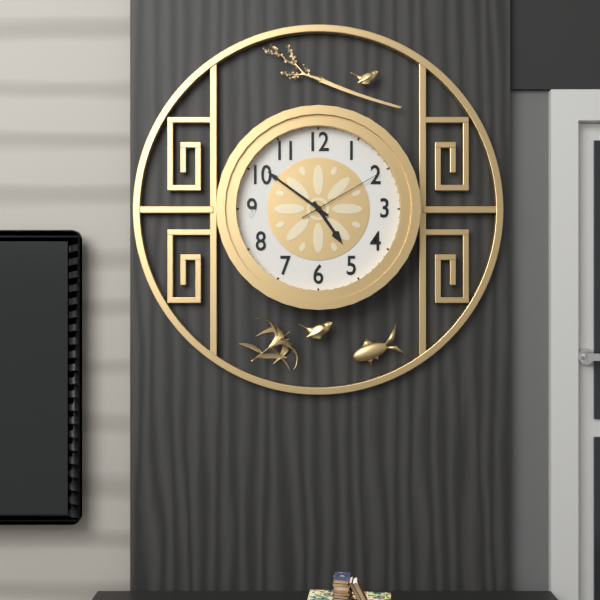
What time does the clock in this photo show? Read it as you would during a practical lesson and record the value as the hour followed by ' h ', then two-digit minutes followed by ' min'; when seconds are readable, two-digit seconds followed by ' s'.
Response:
4 h 51 min 10 s
